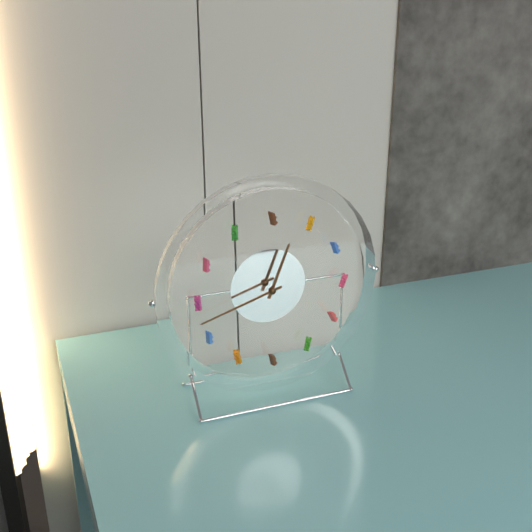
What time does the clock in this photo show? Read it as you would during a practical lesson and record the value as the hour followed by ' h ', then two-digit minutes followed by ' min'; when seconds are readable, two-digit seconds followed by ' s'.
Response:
12 h 42 min
